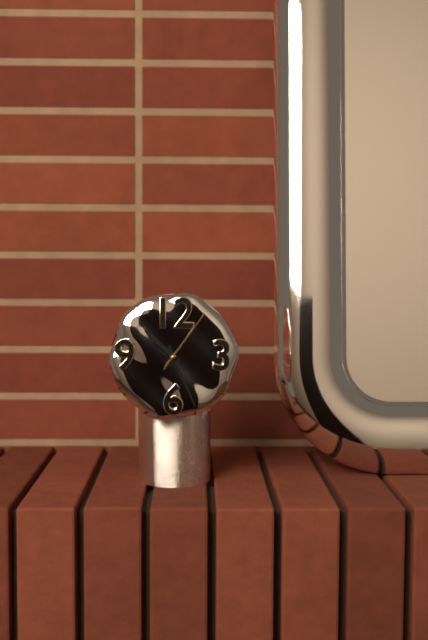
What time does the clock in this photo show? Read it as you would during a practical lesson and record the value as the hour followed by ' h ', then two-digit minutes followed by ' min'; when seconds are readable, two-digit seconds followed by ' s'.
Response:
10 h 26 min 06 s
